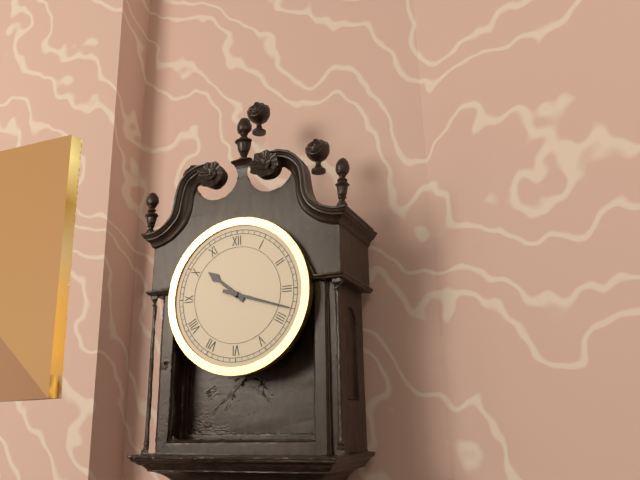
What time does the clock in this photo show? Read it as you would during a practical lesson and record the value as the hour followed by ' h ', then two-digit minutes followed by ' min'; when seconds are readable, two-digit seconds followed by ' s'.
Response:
10 h 18 min
